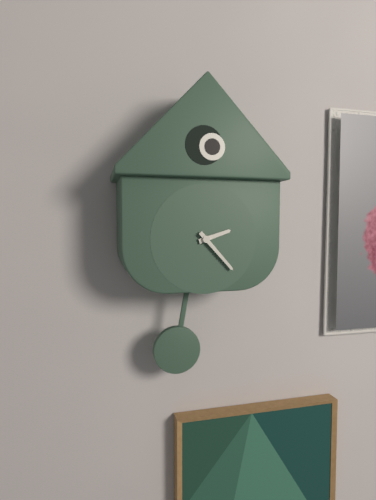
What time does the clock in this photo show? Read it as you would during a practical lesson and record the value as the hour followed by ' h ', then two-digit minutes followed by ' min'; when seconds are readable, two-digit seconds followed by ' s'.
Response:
2 h 23 min
